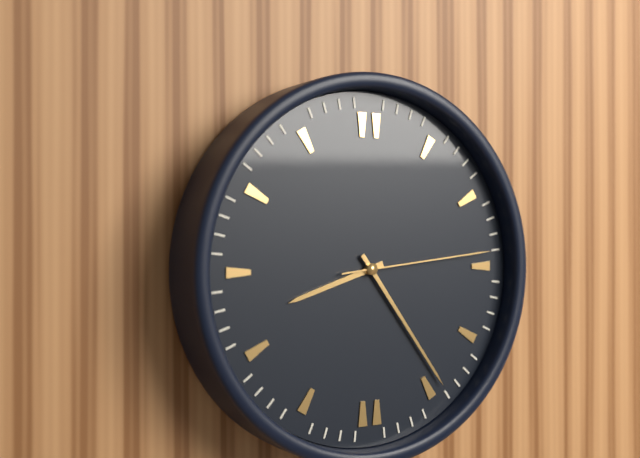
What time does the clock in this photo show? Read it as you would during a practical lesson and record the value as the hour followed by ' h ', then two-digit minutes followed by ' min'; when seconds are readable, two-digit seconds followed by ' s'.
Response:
8 h 24 min 14 s
